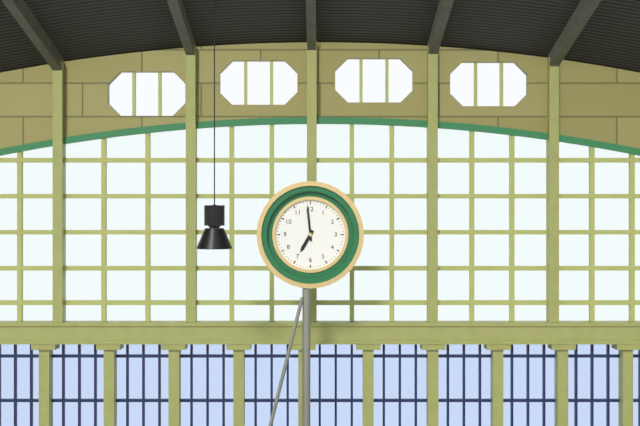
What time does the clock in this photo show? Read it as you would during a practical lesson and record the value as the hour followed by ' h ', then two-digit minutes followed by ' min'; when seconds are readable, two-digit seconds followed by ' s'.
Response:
6 h 59 min
